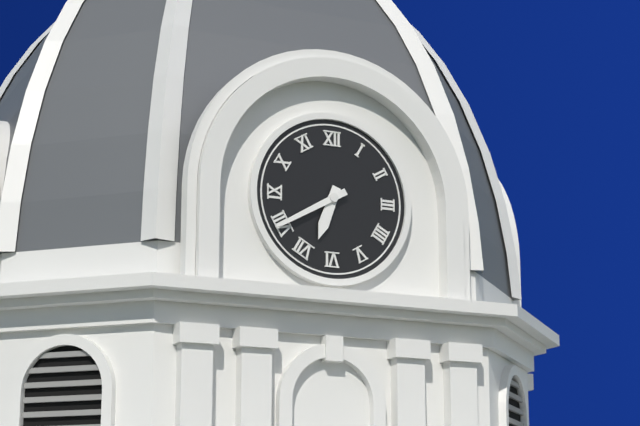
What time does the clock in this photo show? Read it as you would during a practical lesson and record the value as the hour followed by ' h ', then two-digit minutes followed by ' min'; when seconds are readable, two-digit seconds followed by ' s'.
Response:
6 h 40 min
